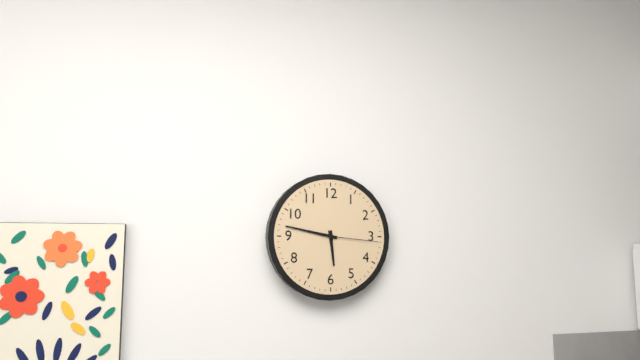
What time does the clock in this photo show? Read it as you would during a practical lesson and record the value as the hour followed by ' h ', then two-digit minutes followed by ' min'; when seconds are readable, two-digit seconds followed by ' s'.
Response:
5 h 47 min 16 s
